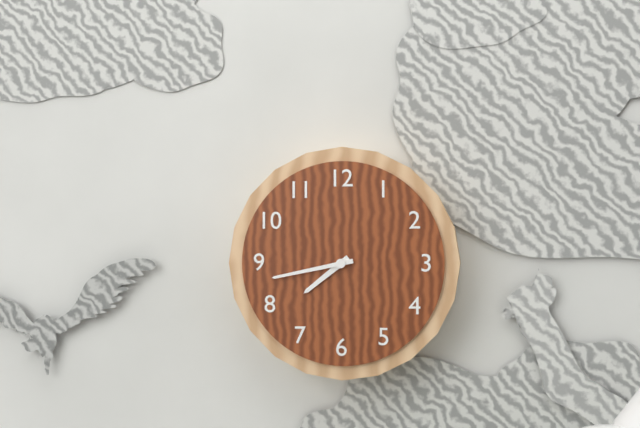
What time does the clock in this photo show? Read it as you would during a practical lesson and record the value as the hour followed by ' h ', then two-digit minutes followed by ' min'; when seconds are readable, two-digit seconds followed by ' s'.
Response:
7 h 43 min
